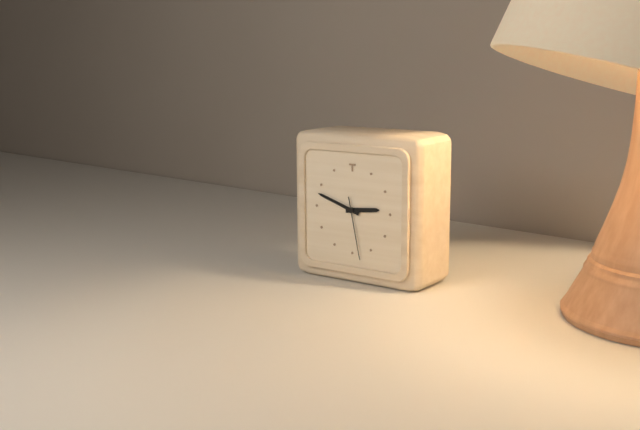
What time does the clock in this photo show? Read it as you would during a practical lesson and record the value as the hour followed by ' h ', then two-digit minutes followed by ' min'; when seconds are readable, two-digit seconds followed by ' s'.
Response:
2 h 48 min 28 s
